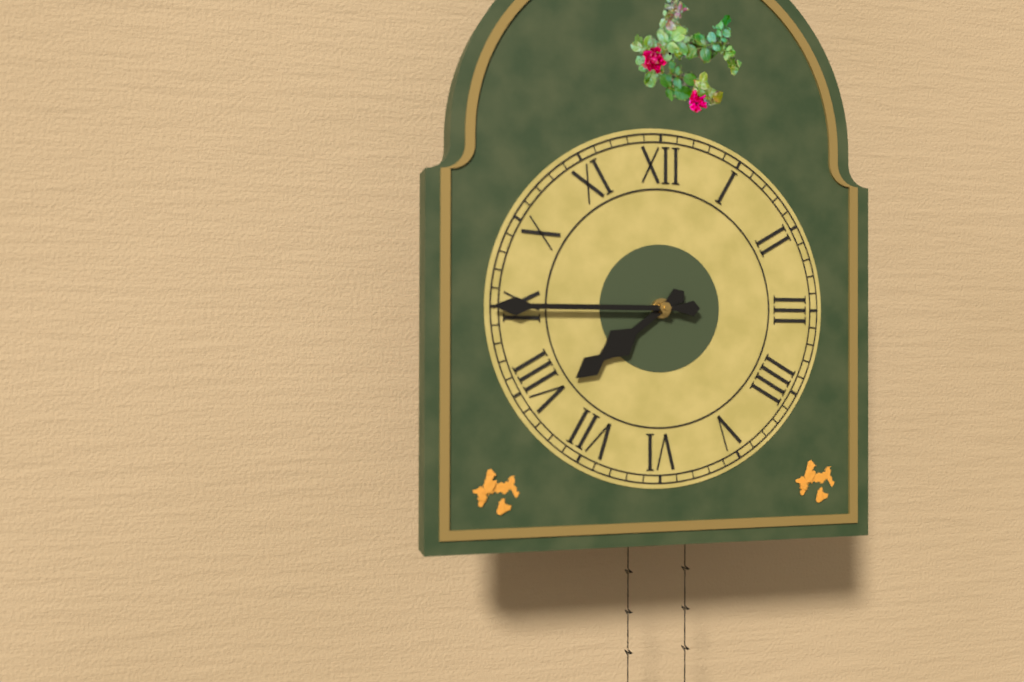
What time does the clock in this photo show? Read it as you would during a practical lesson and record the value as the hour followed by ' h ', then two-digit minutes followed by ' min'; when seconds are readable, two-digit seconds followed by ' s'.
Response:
7 h 45 min
